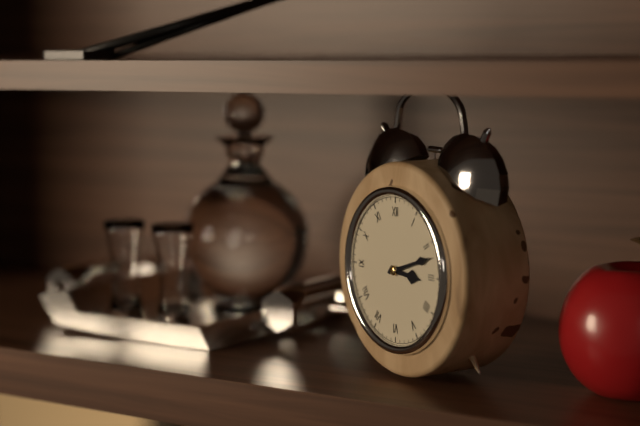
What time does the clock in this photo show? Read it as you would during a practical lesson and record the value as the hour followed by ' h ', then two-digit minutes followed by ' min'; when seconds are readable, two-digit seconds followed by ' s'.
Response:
3 h 12 min
